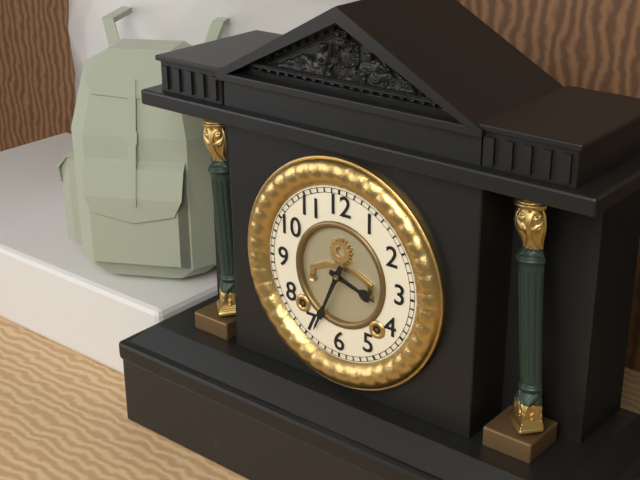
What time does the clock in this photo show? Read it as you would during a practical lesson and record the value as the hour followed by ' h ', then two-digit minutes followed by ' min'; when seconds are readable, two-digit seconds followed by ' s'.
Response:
3 h 34 min
